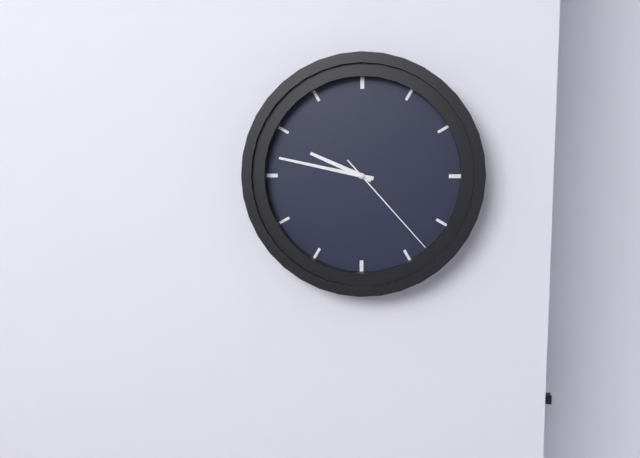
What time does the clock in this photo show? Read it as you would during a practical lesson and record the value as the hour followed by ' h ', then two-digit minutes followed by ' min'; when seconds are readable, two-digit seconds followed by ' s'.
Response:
9 h 47 min 23 s
